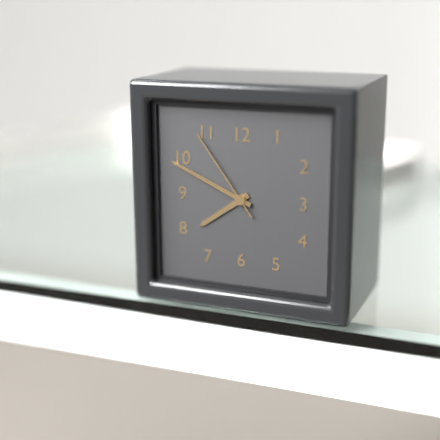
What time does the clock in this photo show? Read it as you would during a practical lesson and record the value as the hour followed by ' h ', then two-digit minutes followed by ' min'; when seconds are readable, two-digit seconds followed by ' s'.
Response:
7 h 49 min 54 s
